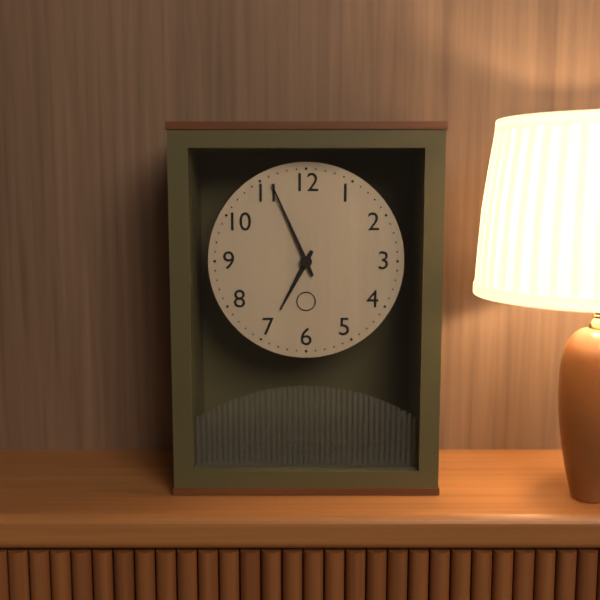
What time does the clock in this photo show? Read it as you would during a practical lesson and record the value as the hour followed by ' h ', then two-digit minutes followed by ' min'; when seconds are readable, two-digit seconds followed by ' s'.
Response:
6 h 56 min
